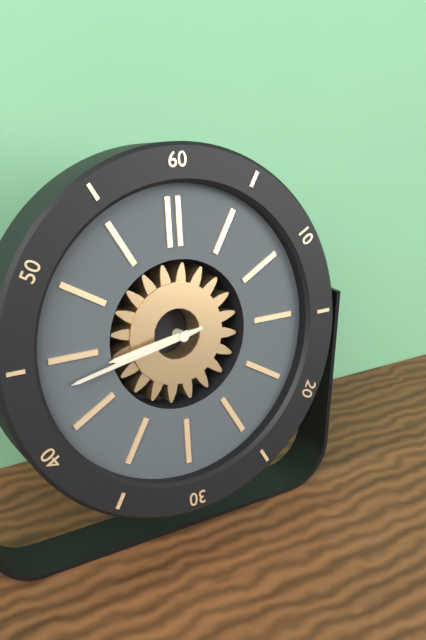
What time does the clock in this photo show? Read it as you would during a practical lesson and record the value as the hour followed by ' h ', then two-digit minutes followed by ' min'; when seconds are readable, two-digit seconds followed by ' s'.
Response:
8 h 43 min
